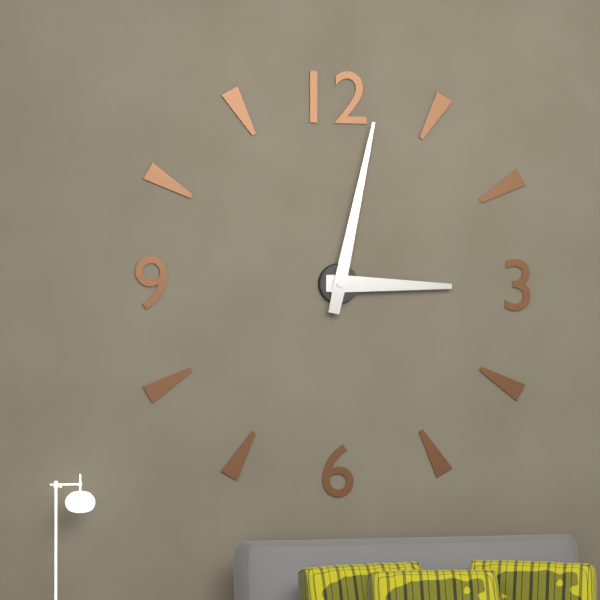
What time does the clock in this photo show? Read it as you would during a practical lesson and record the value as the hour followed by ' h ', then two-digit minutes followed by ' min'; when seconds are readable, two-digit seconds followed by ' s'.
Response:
3 h 02 min
